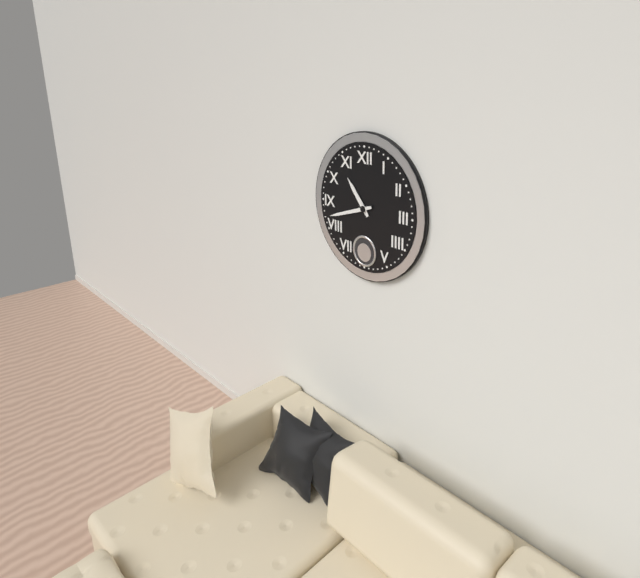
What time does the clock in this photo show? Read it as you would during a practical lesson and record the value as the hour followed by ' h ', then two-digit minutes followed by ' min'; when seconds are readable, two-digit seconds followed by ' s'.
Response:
10 h 42 min
